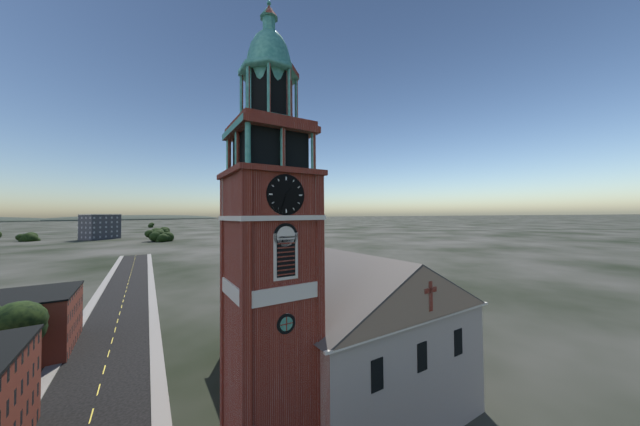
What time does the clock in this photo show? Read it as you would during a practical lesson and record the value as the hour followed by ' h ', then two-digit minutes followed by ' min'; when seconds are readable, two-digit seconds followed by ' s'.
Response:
1 h 33 min
